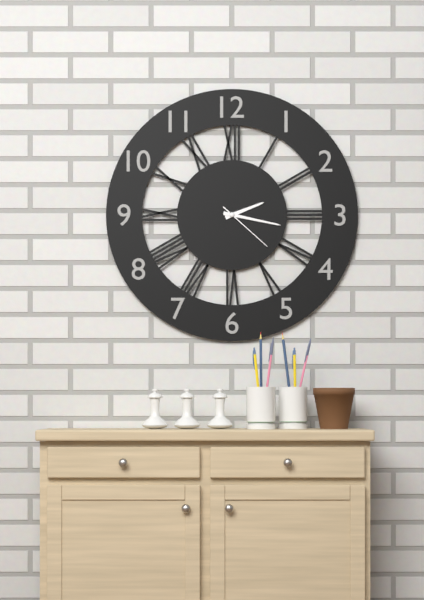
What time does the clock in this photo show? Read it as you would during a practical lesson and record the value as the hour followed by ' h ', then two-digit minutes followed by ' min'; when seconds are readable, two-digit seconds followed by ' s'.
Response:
2 h 17 min 22 s
